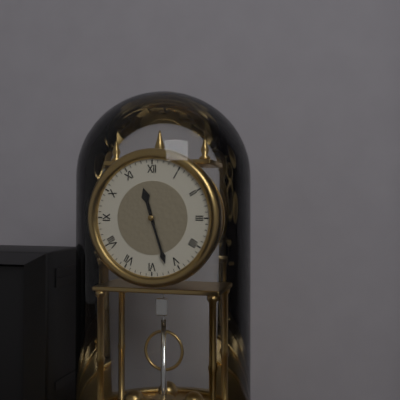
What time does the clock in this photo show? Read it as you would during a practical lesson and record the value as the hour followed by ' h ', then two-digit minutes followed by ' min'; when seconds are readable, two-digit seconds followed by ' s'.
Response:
11 h 27 min
